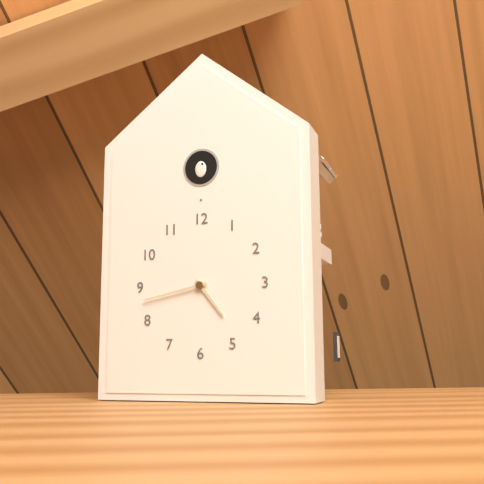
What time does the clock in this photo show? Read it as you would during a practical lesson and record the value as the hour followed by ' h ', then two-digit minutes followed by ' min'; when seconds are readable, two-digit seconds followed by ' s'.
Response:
4 h 43 min
